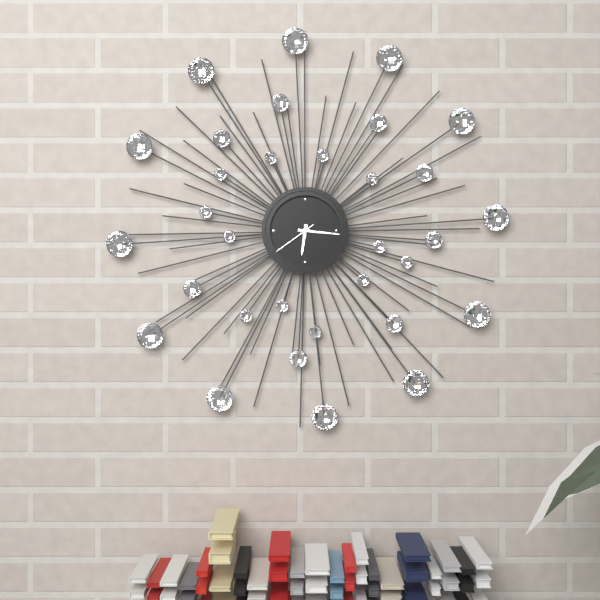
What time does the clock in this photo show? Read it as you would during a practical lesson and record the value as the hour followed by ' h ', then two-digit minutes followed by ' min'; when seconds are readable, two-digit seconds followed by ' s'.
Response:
6 h 16 min
